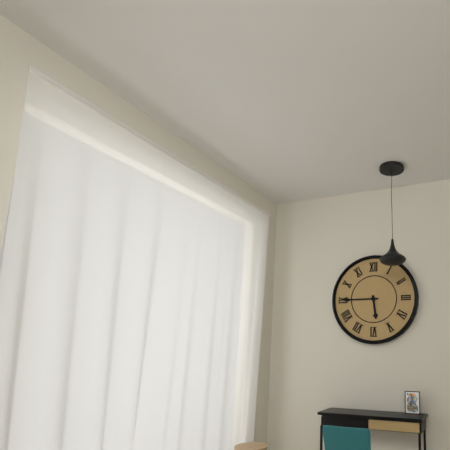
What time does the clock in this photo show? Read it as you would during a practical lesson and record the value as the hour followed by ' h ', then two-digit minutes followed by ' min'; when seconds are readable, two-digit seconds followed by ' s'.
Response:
5 h 45 min
